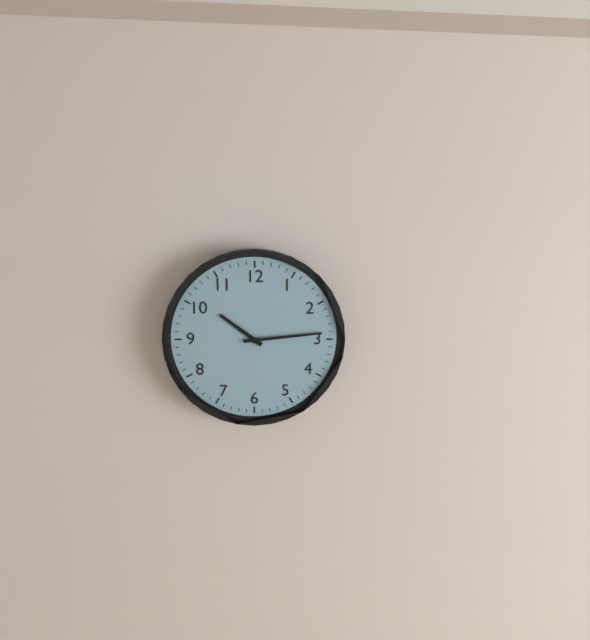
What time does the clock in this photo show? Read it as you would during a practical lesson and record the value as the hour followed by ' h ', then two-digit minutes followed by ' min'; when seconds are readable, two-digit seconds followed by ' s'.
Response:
10 h 14 min
